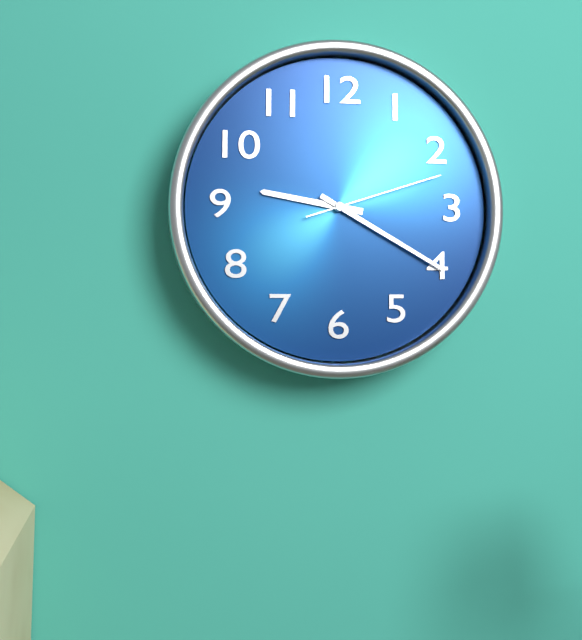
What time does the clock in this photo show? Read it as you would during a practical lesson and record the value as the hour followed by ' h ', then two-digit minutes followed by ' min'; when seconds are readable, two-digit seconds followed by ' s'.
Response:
9 h 20 min 12 s
